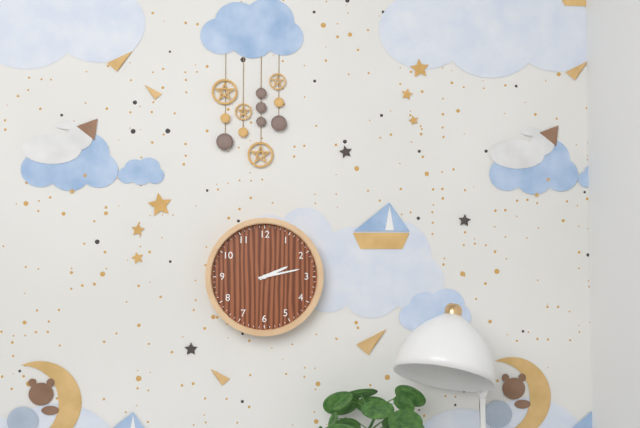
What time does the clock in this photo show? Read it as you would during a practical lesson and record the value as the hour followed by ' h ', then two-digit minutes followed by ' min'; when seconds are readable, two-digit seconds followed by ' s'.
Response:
2 h 13 min
